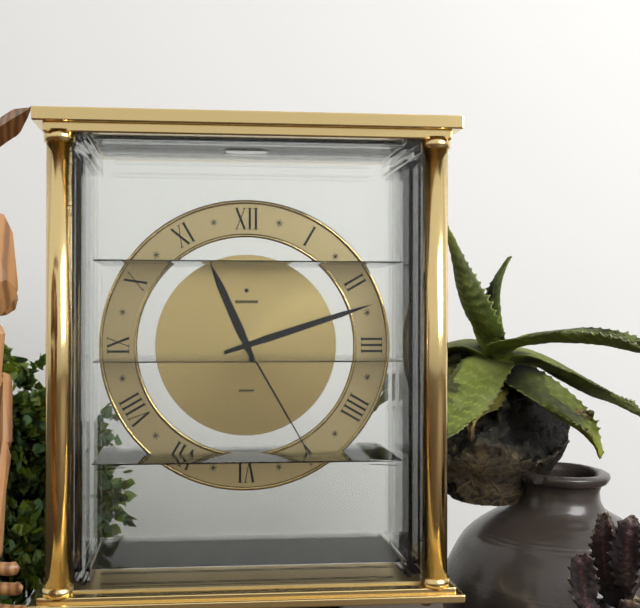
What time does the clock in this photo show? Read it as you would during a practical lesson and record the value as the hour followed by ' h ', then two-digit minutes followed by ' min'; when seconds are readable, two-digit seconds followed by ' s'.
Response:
11 h 12 min 25 s
